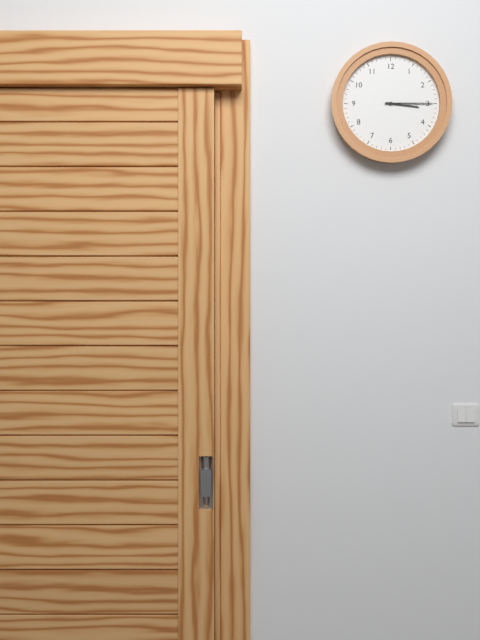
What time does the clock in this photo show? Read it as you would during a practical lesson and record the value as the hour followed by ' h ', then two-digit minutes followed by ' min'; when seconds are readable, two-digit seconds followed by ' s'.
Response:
3 h 15 min
